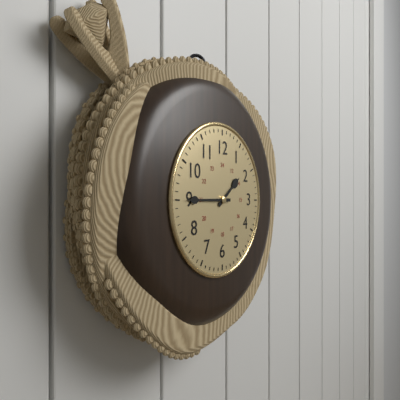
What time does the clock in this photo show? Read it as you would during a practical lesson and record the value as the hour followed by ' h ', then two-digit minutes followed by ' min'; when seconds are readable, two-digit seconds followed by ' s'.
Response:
1 h 45 min
